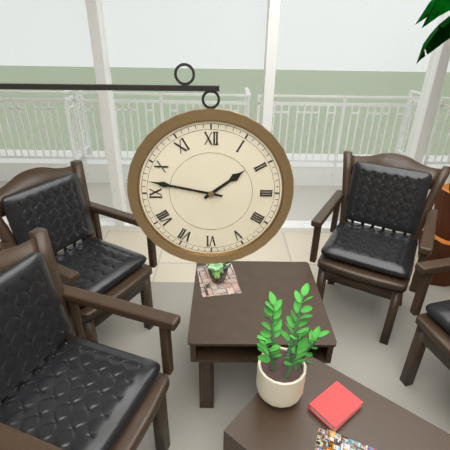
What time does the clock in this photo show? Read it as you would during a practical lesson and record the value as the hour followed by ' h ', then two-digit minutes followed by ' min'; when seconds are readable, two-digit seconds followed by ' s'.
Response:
1 h 47 min
